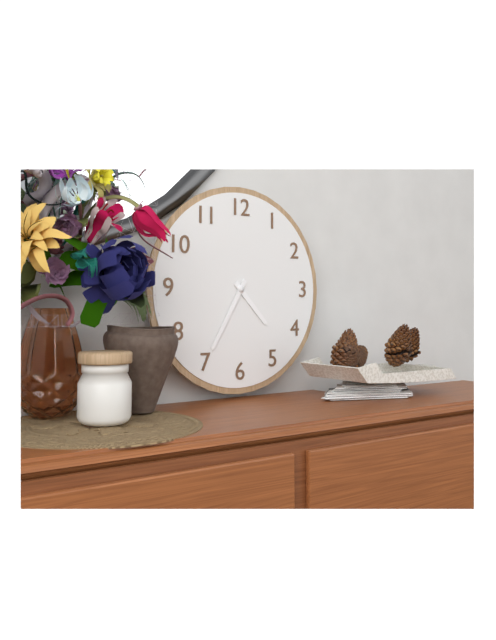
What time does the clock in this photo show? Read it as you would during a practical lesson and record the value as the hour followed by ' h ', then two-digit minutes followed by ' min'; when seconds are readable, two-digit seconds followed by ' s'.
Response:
4 h 35 min
